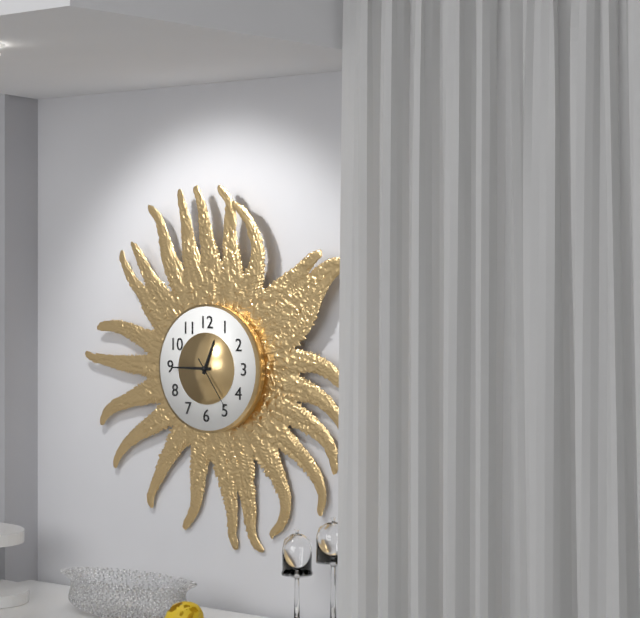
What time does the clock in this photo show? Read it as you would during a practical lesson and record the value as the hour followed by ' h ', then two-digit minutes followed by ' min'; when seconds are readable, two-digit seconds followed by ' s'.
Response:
12 h 45 min 24 s
